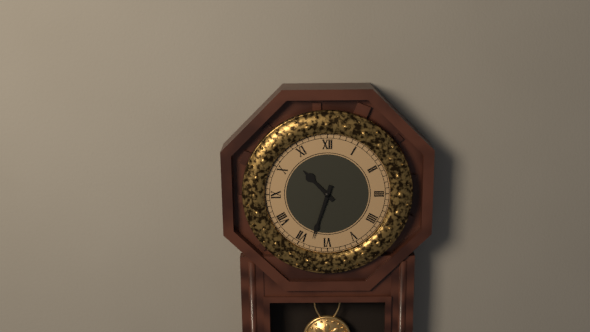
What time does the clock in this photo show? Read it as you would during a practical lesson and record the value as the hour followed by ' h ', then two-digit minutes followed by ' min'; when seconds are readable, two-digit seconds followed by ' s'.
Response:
10 h 33 min
